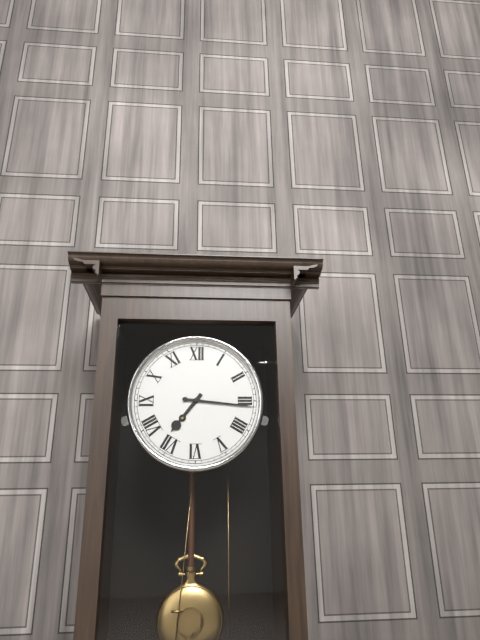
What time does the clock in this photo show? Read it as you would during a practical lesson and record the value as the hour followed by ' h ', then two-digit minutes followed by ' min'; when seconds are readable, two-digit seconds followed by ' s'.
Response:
7 h 16 min
